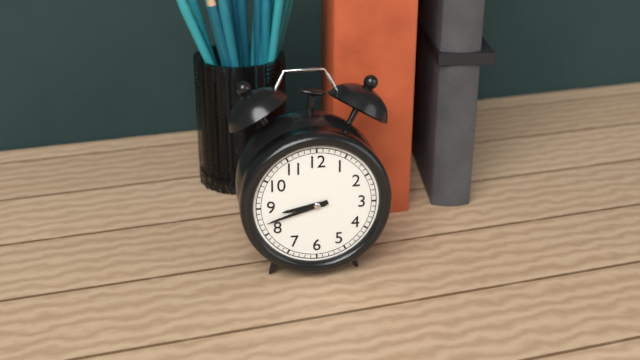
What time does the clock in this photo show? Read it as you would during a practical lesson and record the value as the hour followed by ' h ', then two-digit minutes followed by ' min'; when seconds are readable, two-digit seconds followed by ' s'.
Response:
8 h 42 min
